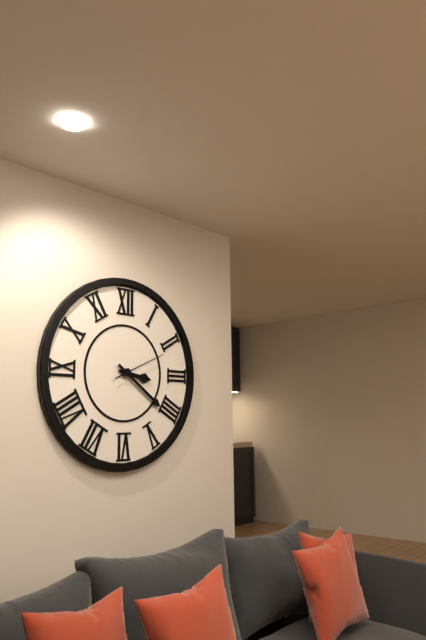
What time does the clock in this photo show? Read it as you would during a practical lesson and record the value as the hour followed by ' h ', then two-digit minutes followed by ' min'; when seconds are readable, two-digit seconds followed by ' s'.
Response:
3 h 21 min 11 s
